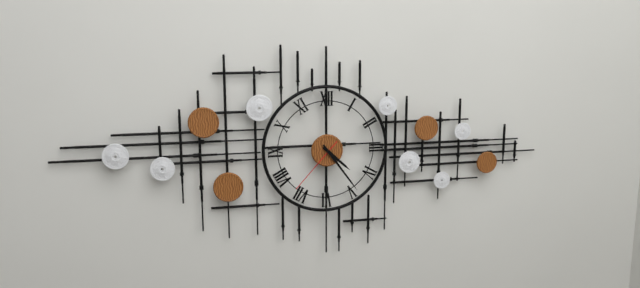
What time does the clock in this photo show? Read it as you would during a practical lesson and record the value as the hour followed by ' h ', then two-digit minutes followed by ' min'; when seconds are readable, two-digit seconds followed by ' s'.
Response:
4 h 24 min 37 s
